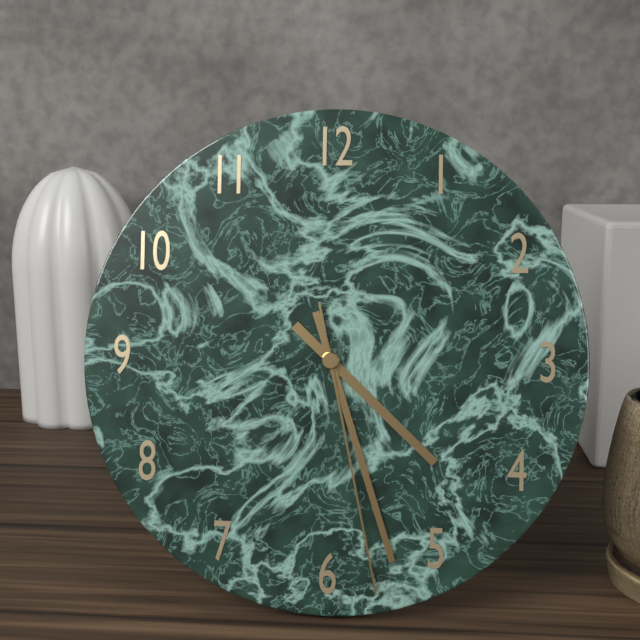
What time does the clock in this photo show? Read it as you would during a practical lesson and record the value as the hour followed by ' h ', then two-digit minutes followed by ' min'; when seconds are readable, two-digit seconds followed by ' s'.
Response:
4 h 27 min 28 s
